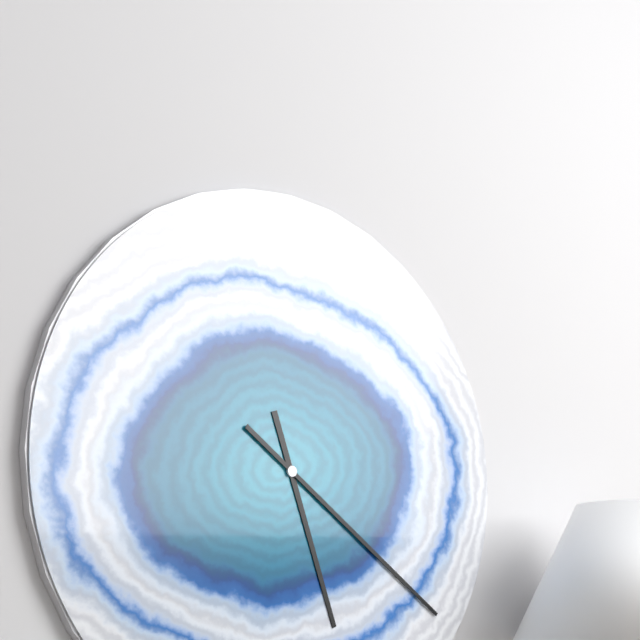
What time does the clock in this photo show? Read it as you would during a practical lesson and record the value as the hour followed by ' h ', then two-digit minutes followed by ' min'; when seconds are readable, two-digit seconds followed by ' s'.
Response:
5 h 21 min
